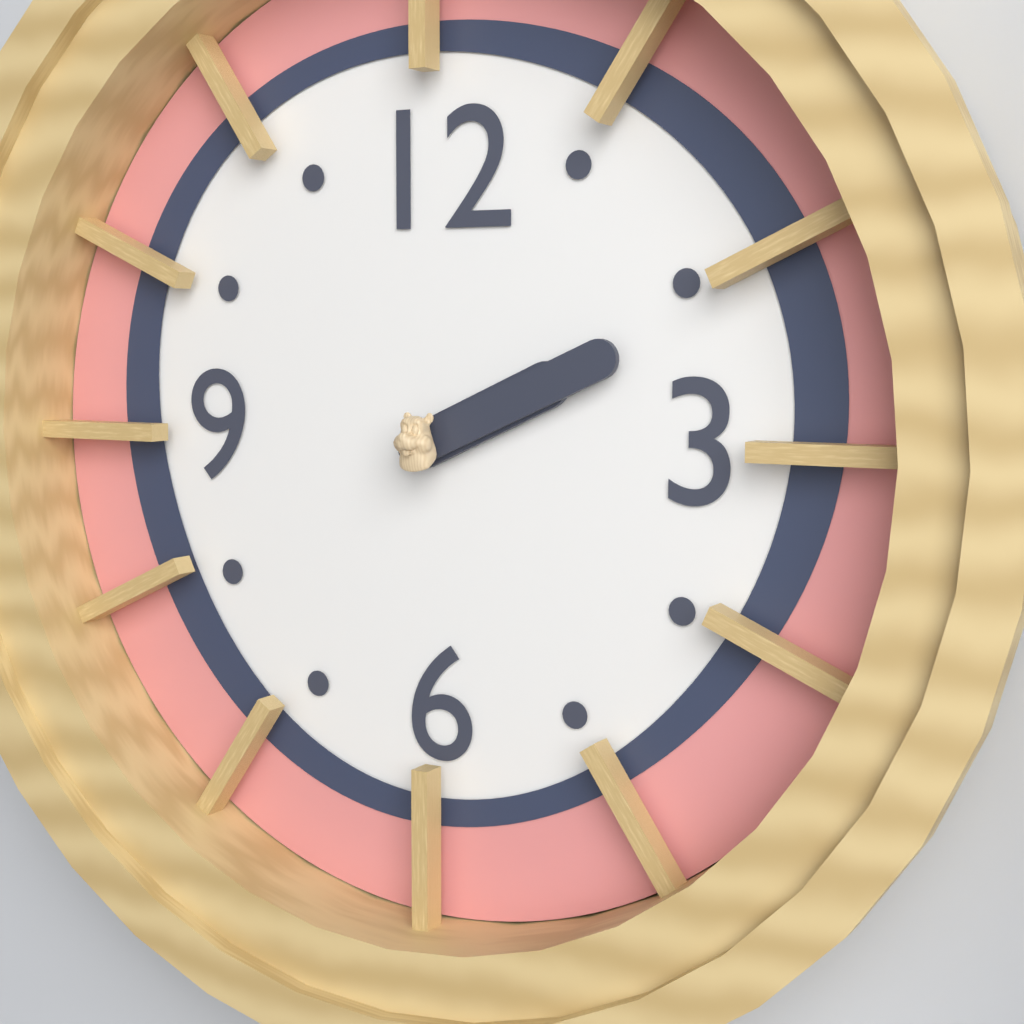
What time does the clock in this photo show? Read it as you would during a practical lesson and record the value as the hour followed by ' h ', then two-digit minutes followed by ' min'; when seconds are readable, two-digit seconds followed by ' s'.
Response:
2 h 11 min
